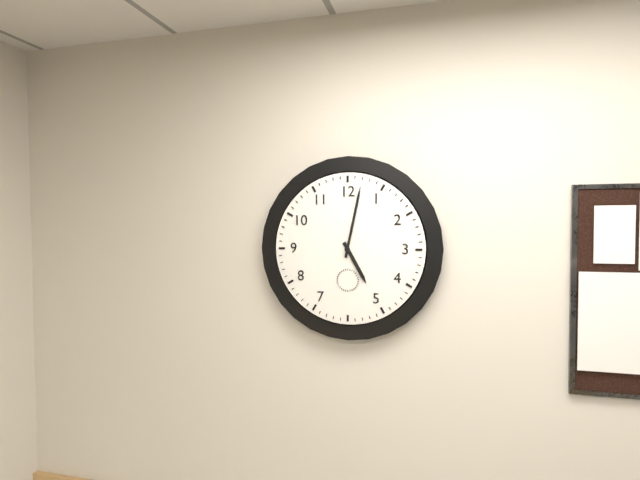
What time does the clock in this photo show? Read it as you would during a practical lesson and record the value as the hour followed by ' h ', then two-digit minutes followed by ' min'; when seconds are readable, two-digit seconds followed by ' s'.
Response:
5 h 02 min
